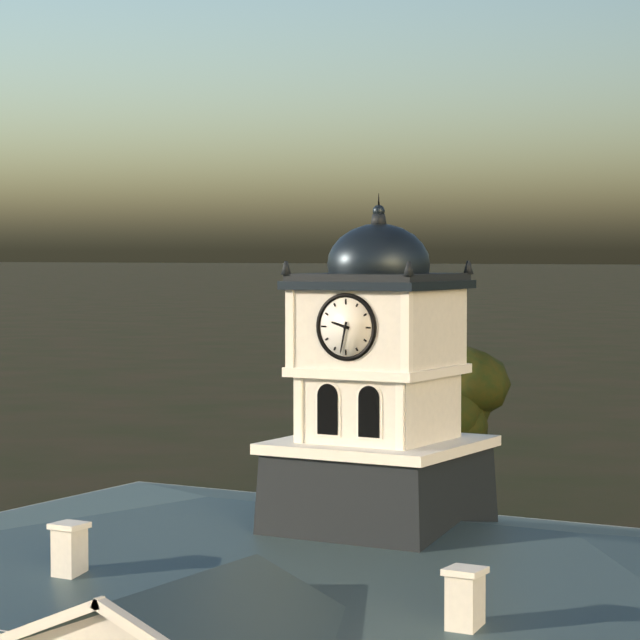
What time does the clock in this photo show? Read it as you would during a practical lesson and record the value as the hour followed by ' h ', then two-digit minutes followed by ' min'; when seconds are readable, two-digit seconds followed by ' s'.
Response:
9 h 32 min
